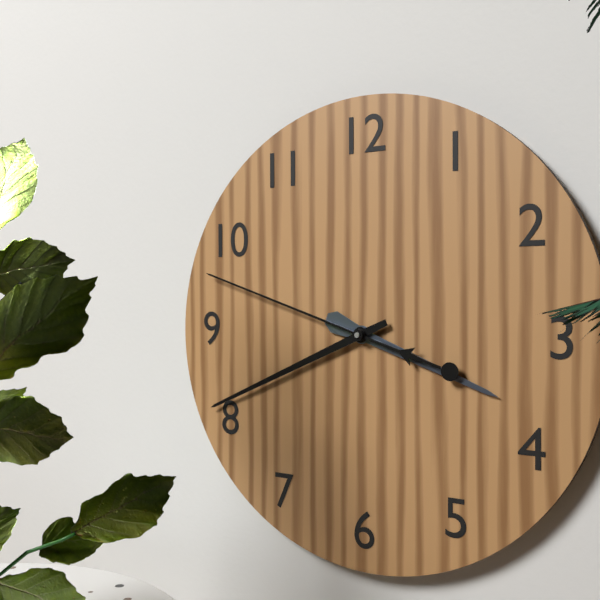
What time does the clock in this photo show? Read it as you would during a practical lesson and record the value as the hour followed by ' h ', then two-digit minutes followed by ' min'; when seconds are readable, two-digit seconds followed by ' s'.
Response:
3 h 41 min 48 s
